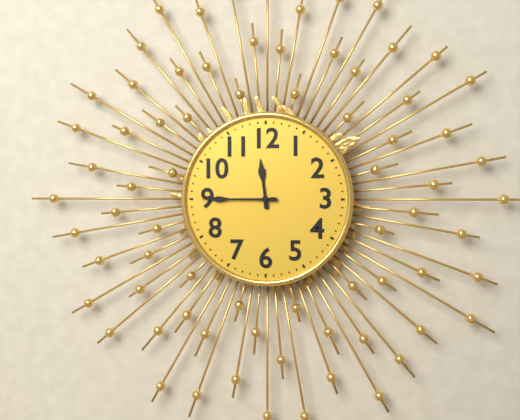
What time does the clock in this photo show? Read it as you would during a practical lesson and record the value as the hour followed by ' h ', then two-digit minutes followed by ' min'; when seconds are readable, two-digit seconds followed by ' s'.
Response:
11 h 45 min
